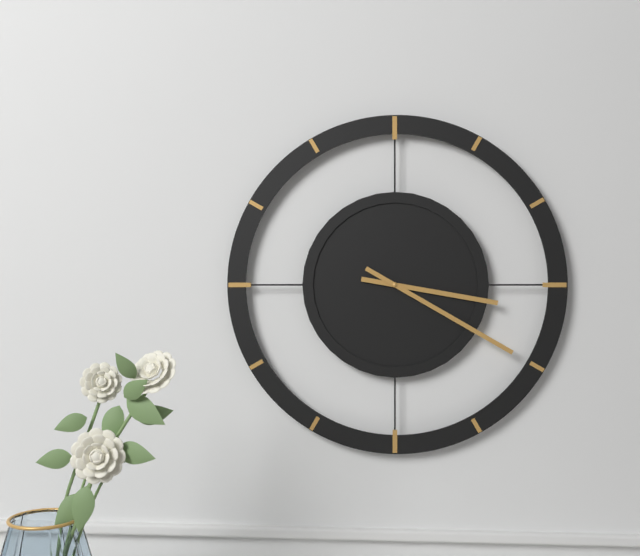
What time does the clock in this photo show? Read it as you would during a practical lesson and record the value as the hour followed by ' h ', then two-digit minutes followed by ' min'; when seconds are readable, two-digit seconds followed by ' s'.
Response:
3 h 20 min
